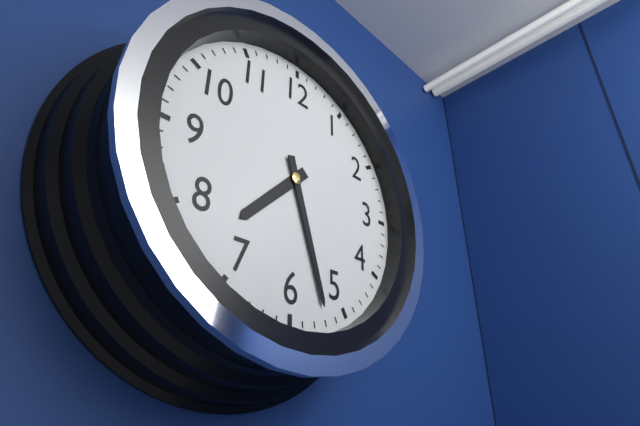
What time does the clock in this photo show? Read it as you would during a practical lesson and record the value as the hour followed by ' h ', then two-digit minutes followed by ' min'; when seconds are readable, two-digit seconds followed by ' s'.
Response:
7 h 27 min
